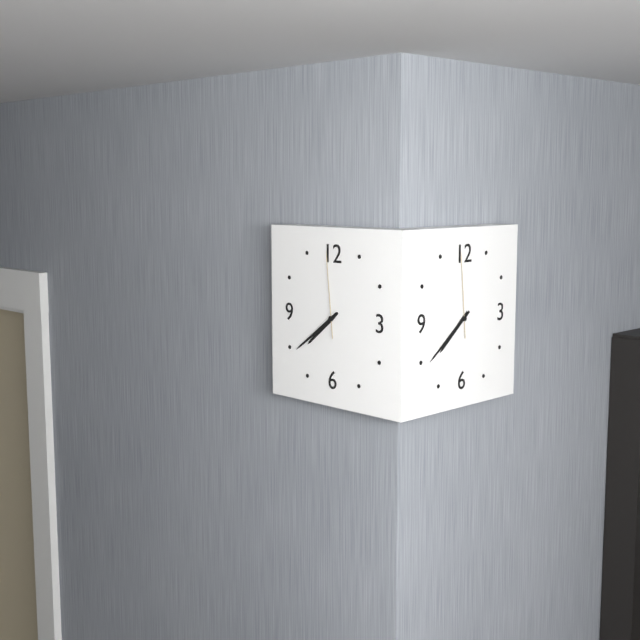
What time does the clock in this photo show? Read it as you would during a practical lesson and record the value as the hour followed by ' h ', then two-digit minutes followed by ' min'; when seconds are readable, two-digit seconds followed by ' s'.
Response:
7 h 39 min 59 s
